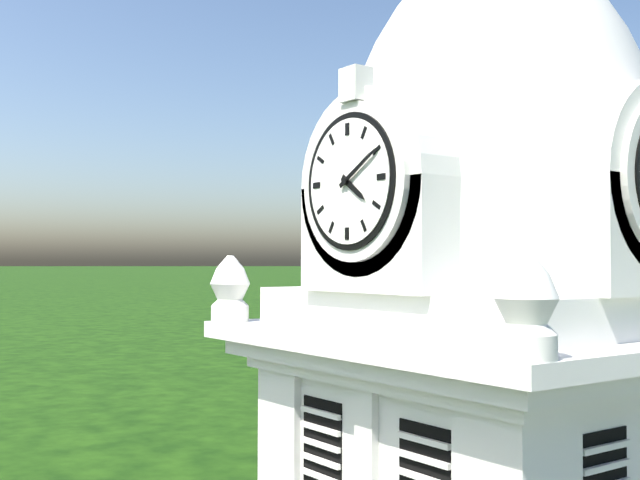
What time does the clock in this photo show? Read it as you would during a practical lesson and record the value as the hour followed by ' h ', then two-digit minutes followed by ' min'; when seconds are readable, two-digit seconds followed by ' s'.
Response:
4 h 10 min
